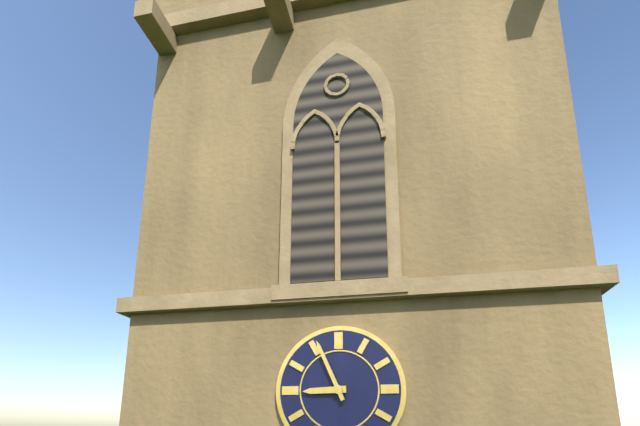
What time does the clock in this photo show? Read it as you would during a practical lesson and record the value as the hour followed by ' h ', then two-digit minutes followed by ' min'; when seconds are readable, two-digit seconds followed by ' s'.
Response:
8 h 56 min
